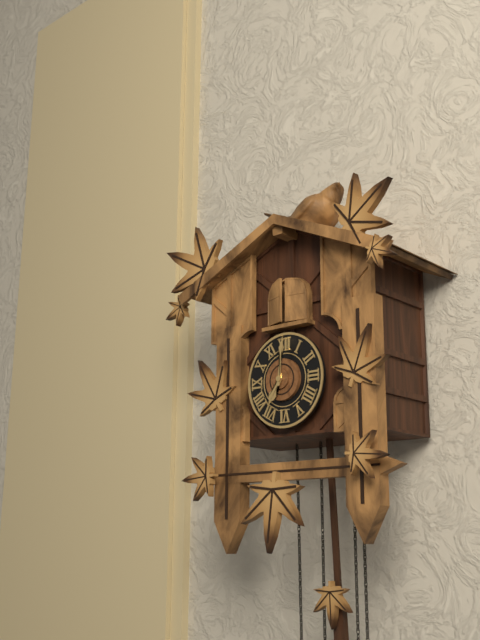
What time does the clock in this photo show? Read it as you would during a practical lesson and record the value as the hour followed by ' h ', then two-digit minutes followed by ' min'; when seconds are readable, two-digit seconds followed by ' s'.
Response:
7 h 01 min
